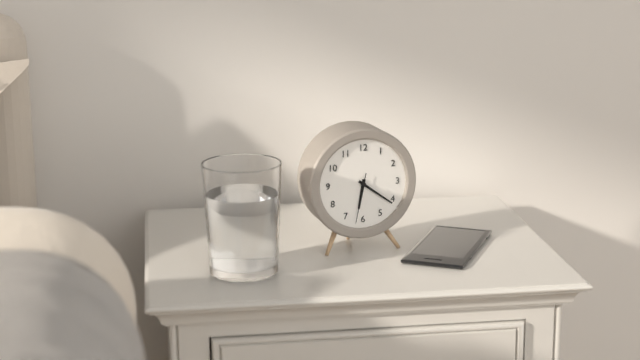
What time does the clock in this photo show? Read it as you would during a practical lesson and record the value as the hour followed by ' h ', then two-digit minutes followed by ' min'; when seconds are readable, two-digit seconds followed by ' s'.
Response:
6 h 21 min 32 s
